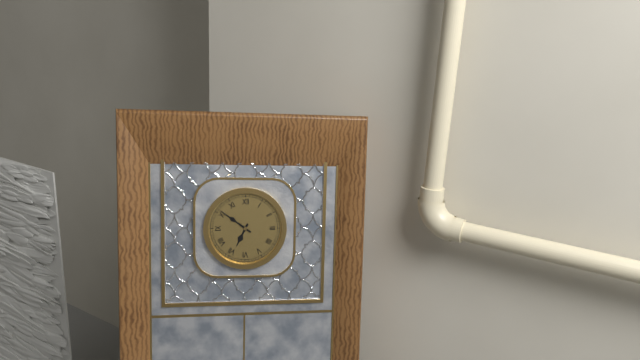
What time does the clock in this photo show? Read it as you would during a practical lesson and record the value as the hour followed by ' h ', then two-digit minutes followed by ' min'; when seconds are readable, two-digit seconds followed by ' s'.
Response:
6 h 51 min
